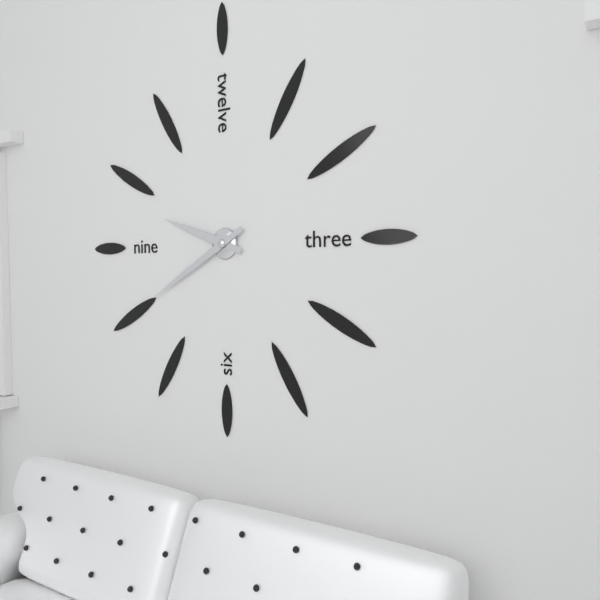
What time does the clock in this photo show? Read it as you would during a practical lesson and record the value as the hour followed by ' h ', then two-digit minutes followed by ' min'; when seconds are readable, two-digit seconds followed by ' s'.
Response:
9 h 40 min
